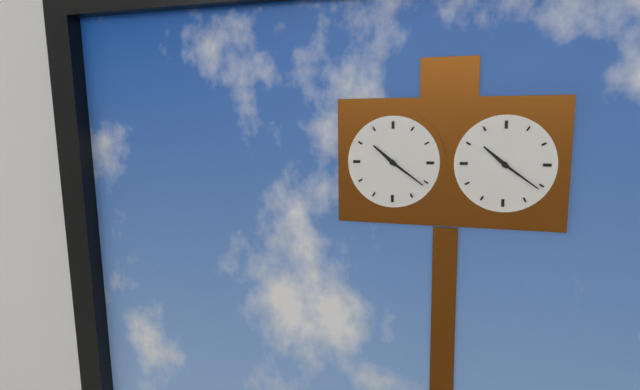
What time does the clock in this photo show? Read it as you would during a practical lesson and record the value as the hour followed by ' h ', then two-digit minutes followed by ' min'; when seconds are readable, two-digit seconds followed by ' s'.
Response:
10 h 21 min
